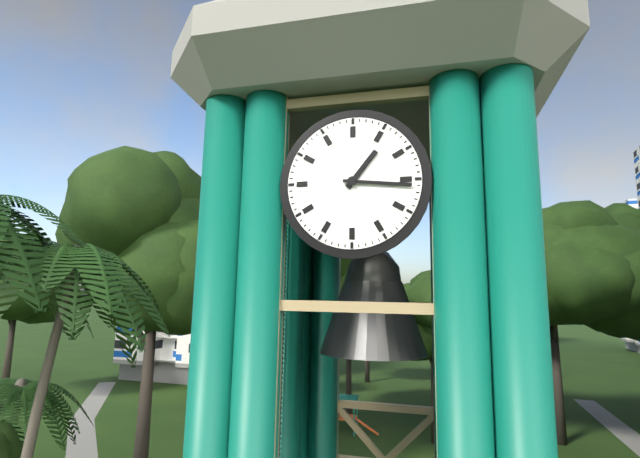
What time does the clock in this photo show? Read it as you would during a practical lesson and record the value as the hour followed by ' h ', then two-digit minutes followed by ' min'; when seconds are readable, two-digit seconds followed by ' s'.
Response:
1 h 16 min
